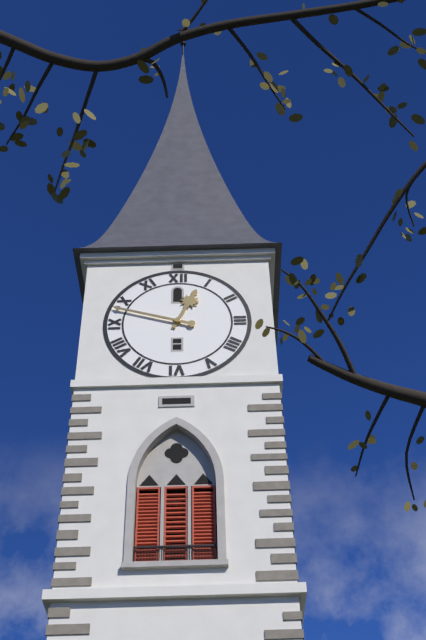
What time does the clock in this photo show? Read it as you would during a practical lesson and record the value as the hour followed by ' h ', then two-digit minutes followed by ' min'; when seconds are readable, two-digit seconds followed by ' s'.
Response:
12 h 48 min
